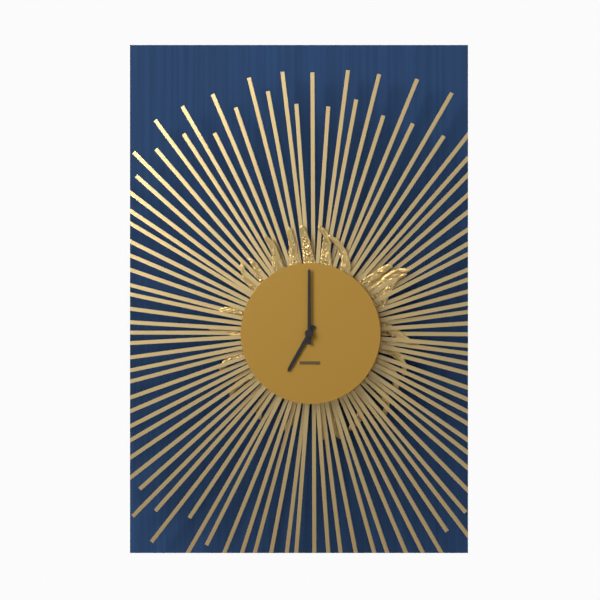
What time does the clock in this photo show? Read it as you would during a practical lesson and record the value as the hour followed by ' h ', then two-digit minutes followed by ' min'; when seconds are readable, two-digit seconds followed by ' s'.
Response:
7 h 00 min
